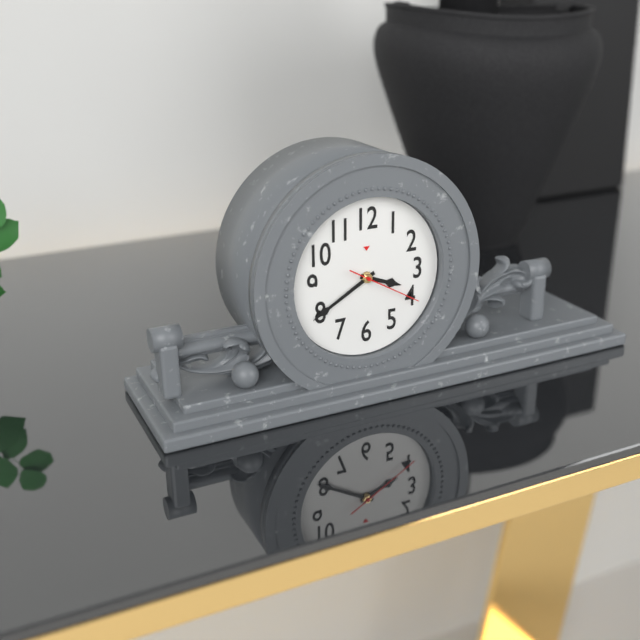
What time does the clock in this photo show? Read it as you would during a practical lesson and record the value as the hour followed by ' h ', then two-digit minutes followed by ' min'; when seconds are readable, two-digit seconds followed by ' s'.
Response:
3 h 40 min 20 s
